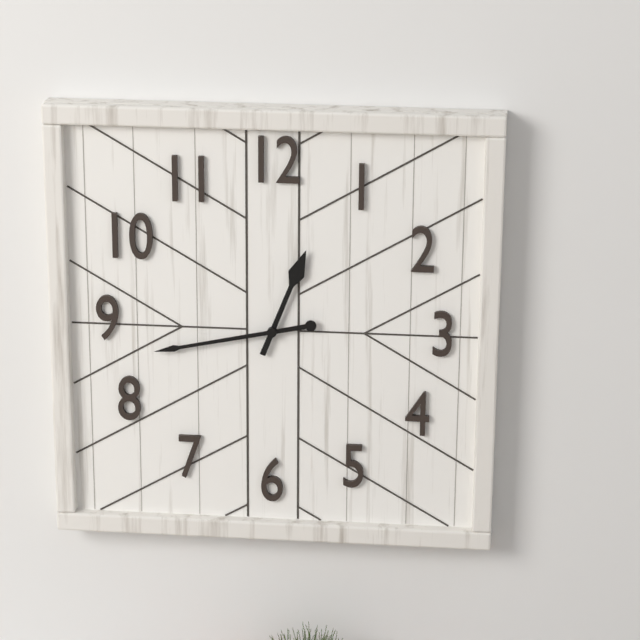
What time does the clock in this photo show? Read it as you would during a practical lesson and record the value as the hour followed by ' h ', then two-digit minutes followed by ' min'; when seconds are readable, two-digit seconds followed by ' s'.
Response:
12 h 43 min
